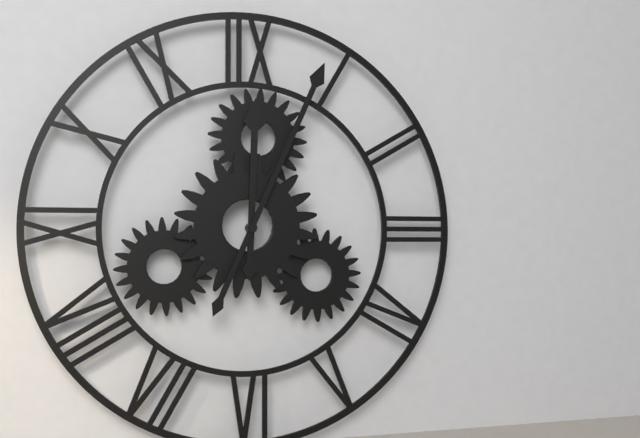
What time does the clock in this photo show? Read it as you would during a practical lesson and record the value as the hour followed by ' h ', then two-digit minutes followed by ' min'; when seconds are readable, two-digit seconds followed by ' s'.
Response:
12 h 04 min
